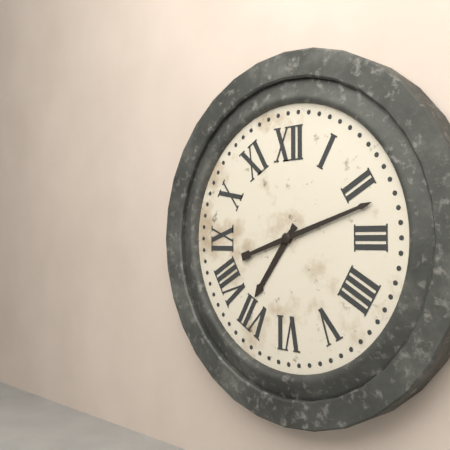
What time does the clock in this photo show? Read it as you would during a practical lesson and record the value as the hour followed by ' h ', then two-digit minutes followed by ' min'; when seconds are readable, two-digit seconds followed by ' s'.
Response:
7 h 12 min
